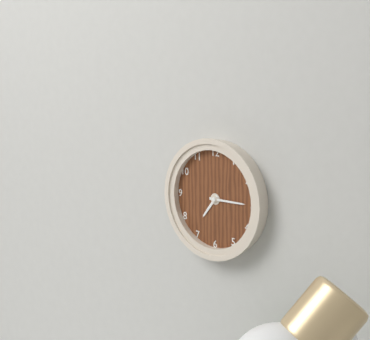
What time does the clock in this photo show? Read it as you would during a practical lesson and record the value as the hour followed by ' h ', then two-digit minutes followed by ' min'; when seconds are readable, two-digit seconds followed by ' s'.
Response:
7 h 15 min
